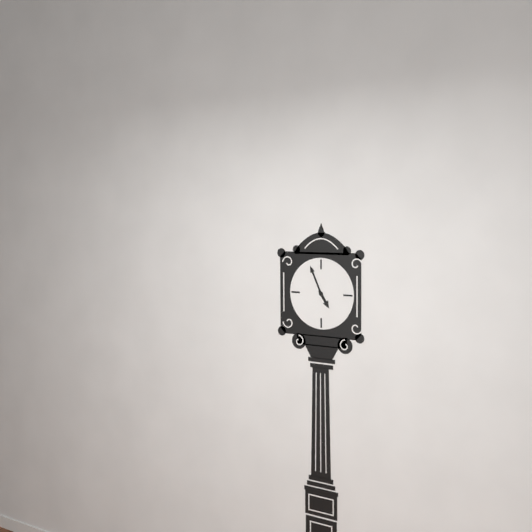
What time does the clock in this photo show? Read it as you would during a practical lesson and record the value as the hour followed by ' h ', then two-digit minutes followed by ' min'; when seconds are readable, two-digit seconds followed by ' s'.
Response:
4 h 56 min
